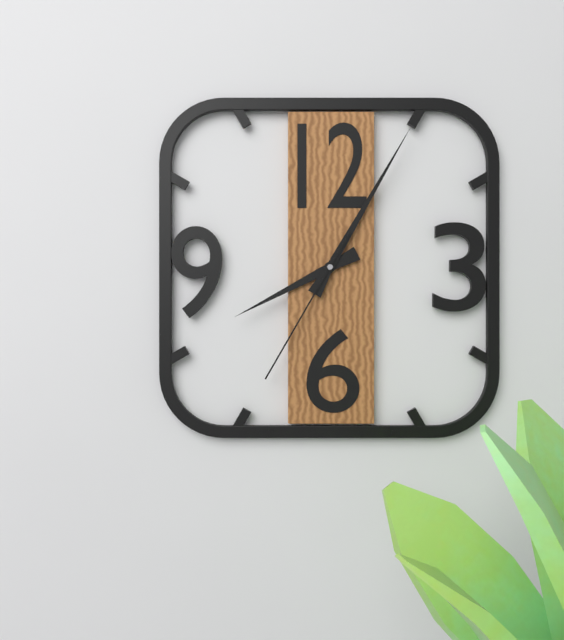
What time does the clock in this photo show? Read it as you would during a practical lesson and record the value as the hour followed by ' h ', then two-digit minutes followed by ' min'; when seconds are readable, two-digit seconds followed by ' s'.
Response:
8 h 05 min 35 s
